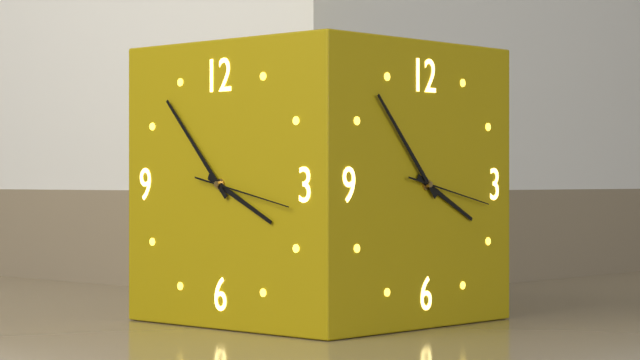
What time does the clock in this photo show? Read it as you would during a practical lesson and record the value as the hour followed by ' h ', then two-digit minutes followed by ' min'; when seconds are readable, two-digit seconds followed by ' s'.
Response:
3 h 53 min 17 s
